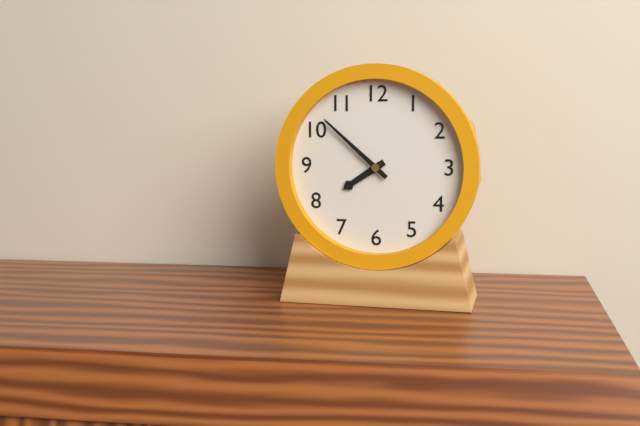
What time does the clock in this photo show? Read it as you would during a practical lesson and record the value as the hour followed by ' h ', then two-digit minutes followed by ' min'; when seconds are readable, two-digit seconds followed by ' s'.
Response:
7 h 52 min
